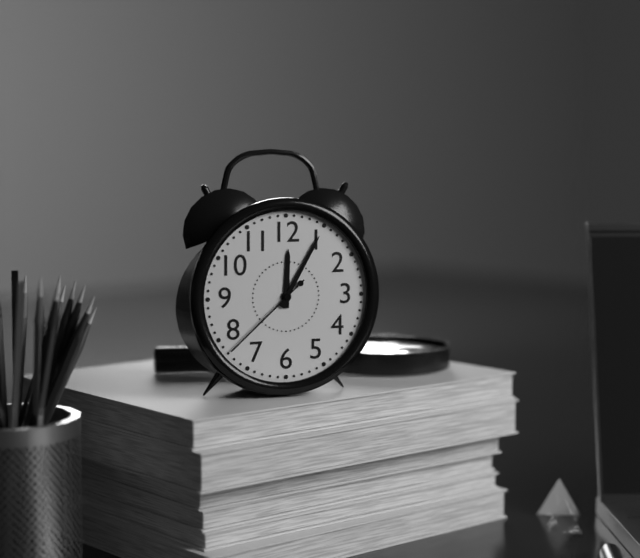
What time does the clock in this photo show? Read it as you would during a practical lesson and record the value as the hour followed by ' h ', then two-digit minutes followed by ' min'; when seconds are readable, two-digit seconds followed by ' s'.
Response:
12 h 05 min 38 s
